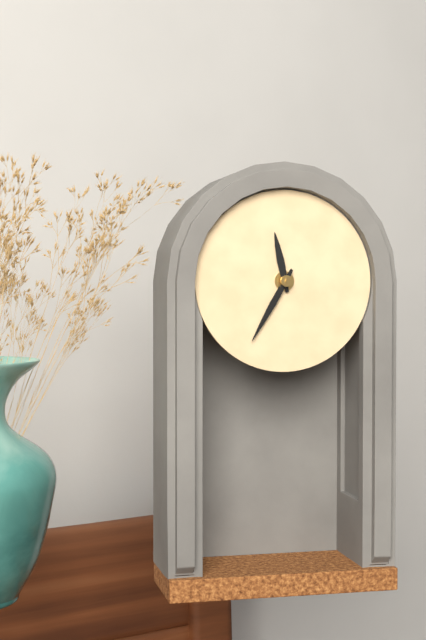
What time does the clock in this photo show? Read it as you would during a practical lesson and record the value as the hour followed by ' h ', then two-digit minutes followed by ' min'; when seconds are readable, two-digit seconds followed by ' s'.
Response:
11 h 35 min
